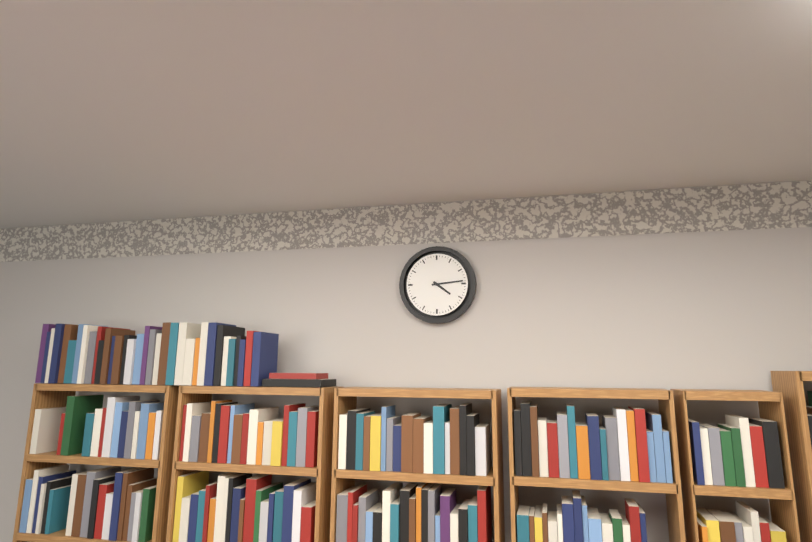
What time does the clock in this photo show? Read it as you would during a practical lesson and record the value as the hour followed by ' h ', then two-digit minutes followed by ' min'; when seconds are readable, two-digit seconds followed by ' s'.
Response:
4 h 14 min
